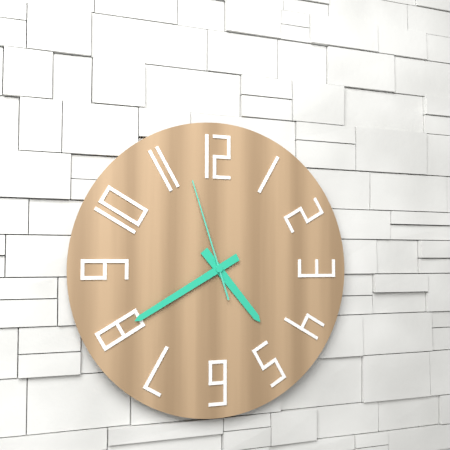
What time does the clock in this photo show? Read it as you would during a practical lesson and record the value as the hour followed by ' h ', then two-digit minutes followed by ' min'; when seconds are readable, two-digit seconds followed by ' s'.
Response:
4 h 40 min 57 s
